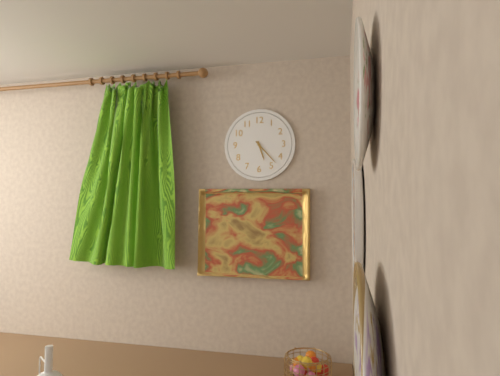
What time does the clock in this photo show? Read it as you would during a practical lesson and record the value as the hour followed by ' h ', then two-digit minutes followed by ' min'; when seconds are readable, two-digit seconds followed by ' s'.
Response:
5 h 23 min
